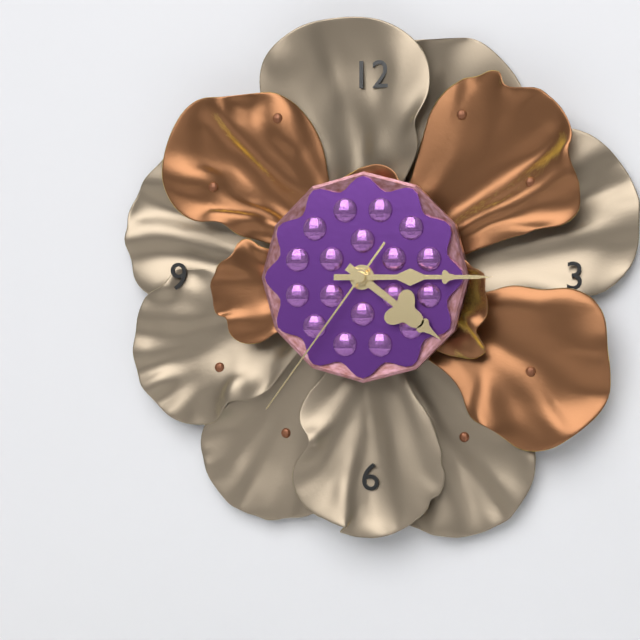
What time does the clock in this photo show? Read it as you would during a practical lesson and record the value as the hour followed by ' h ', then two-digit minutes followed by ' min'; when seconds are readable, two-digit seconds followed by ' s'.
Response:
4 h 15 min 36 s
